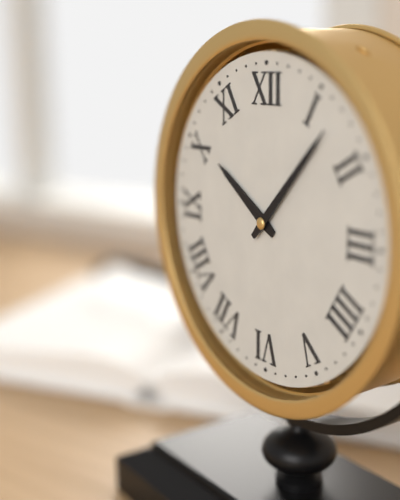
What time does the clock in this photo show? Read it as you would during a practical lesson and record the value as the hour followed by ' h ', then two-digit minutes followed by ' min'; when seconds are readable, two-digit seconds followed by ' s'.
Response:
10 h 07 min
